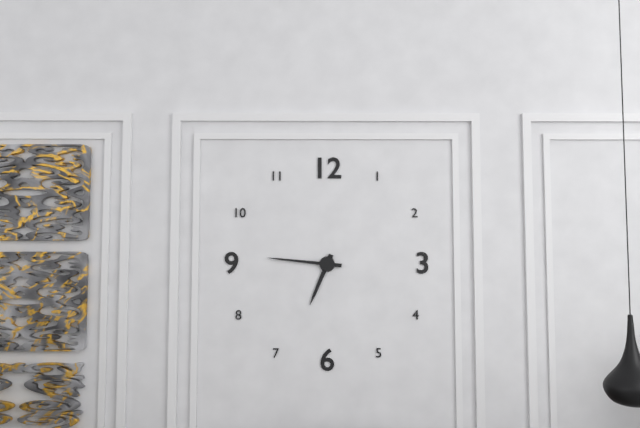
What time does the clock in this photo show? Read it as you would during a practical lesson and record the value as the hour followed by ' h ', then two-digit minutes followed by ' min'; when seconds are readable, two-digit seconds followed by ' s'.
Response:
6 h 46 min
